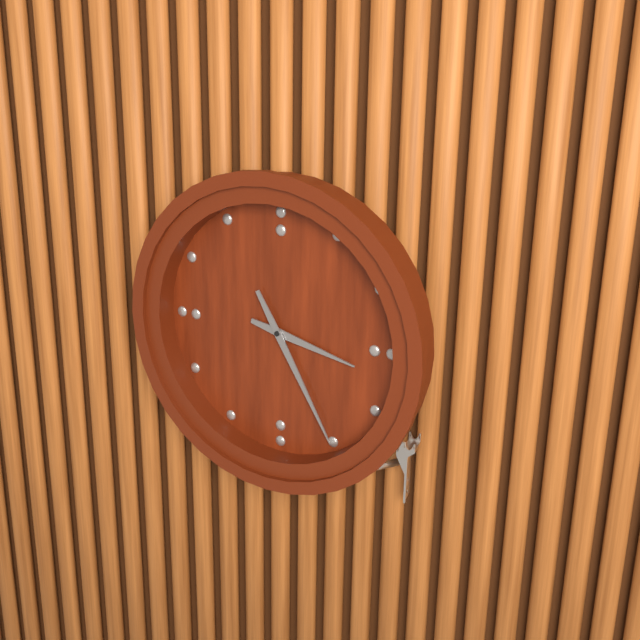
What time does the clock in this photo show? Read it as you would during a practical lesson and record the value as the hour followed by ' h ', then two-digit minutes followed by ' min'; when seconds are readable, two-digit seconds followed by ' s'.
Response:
3 h 25 min
